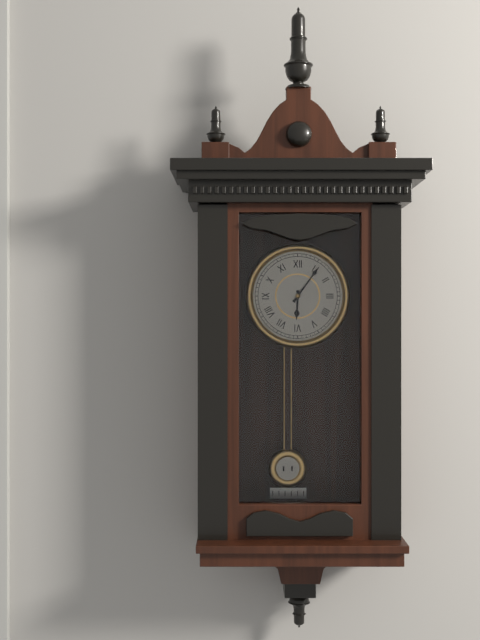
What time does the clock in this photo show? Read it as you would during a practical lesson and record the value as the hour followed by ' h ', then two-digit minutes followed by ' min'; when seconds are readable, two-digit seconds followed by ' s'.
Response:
6 h 06 min
